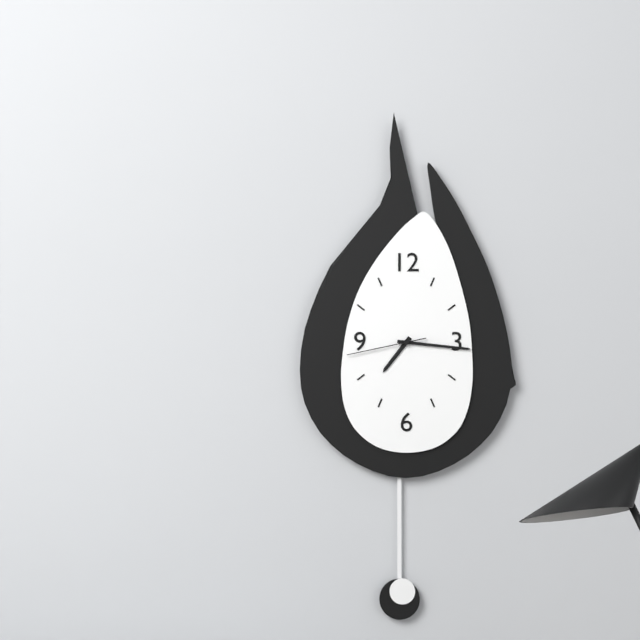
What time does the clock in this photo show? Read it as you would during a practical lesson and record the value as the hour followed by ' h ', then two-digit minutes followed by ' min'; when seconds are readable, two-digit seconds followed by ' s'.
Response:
7 h 16 min 43 s
